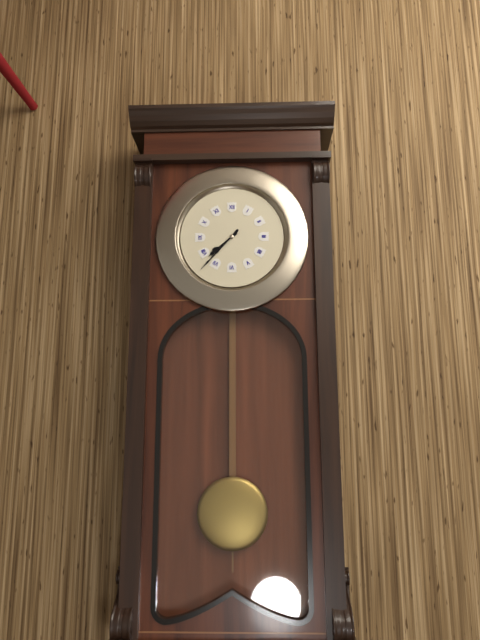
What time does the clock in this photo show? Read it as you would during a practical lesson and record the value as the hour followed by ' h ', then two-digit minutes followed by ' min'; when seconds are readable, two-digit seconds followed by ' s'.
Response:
7 h 37 min
